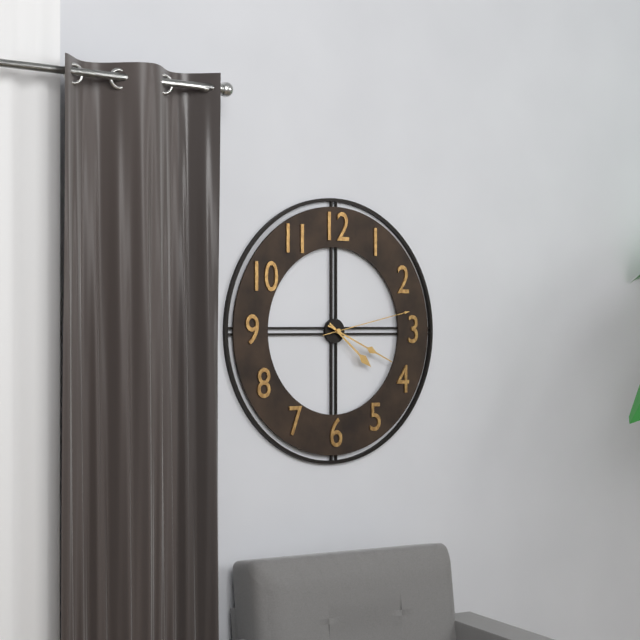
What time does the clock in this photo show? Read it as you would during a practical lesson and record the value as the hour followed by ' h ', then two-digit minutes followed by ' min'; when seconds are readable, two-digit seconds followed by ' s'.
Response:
4 h 19 min 13 s
